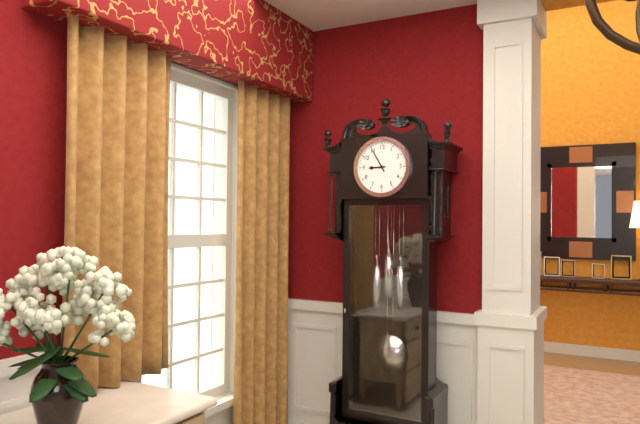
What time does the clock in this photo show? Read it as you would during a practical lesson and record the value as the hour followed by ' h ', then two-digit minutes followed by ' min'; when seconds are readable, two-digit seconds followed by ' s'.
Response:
8 h 55 min
